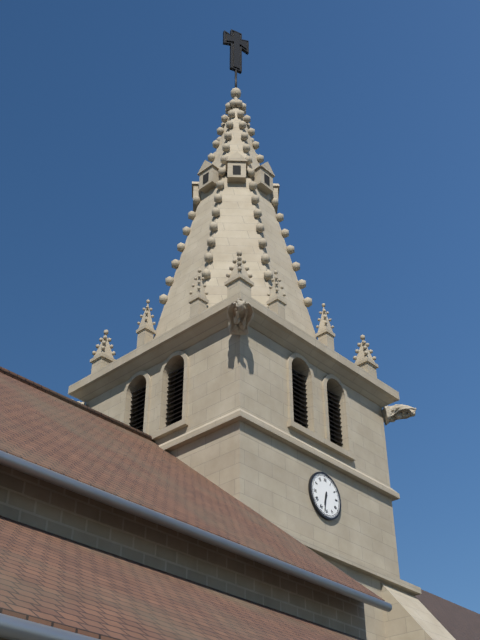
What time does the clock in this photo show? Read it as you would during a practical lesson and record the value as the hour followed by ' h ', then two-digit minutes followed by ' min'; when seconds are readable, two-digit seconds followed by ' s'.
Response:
6 h 32 min
